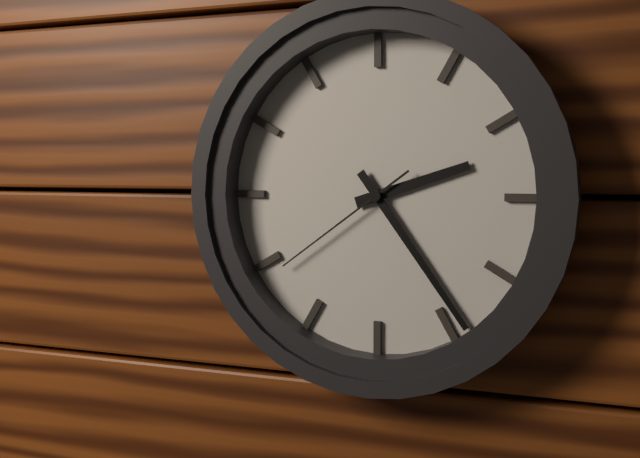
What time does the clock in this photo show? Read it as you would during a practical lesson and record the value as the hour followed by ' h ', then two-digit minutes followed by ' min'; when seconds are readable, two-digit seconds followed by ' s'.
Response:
2 h 24 min 39 s
